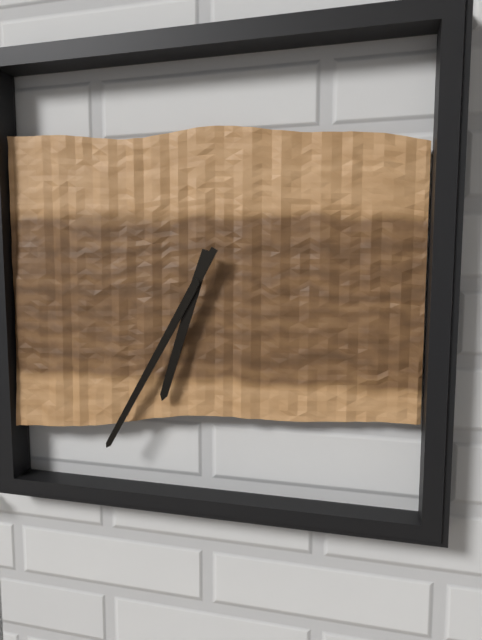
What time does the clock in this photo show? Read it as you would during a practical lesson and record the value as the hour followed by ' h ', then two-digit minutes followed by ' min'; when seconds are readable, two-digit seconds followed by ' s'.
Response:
6 h 35 min
